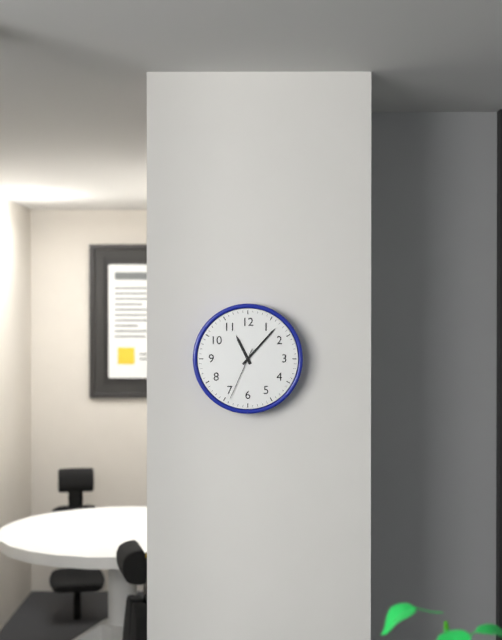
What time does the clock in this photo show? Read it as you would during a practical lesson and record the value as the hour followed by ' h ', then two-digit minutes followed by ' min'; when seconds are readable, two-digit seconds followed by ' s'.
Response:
11 h 07 min 34 s
